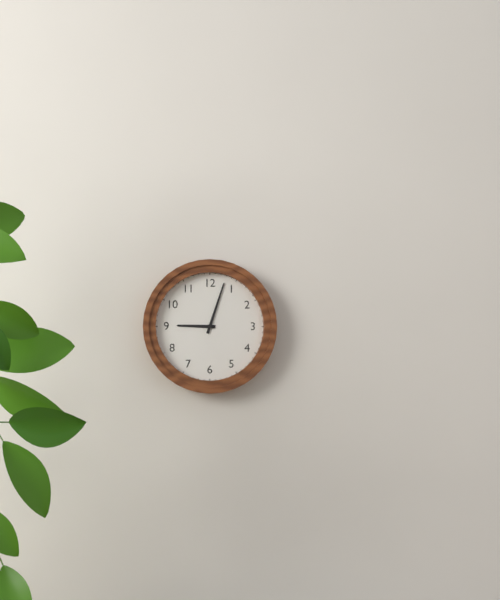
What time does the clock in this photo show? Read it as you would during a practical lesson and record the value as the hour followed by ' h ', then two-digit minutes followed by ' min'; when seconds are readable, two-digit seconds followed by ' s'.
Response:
9 h 03 min
